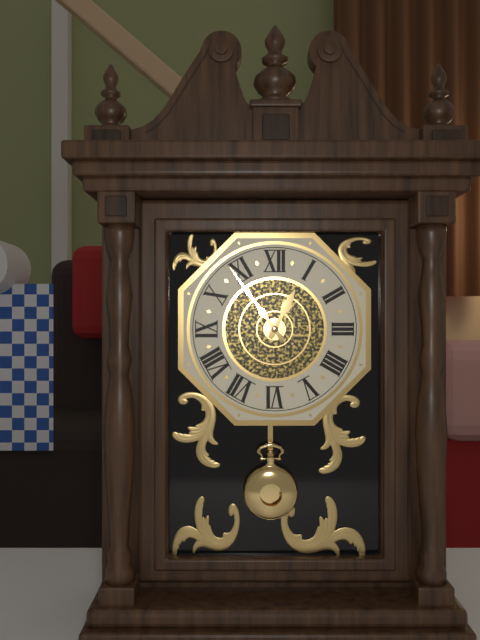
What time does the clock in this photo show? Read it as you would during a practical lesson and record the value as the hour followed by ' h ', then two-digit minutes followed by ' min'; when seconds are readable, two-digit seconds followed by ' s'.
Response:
12 h 54 min
